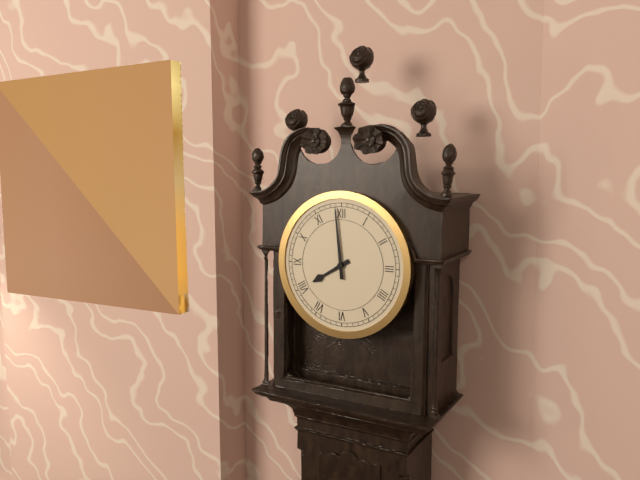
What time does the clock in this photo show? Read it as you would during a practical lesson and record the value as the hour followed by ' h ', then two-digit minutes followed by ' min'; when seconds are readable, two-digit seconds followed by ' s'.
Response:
7 h 59 min
